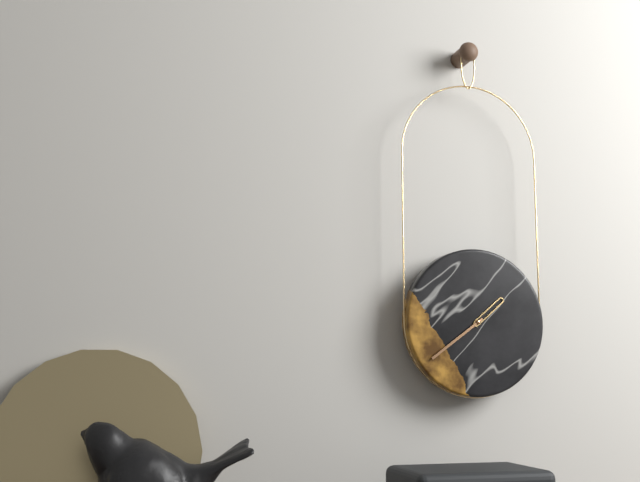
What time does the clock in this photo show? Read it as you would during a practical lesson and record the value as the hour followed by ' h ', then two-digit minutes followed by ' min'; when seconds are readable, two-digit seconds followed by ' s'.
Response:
1 h 39 min
